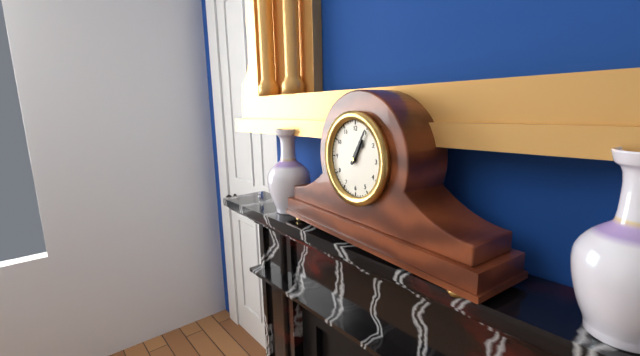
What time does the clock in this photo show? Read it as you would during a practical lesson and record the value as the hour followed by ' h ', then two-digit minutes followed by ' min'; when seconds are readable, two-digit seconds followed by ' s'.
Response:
1 h 05 min
